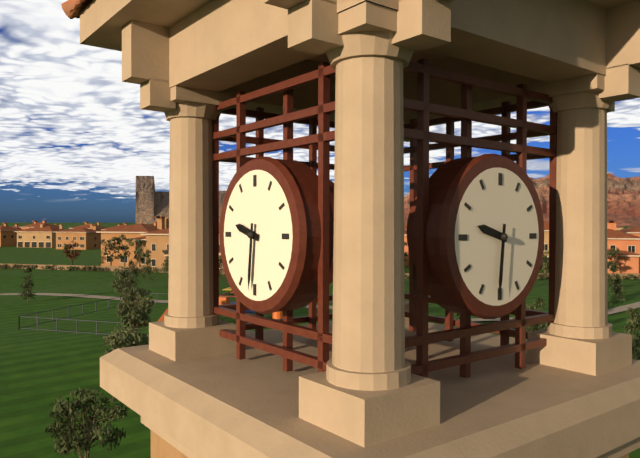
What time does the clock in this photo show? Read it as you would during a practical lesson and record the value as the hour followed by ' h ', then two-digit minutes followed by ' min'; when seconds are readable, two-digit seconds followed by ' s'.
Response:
9 h 31 min
